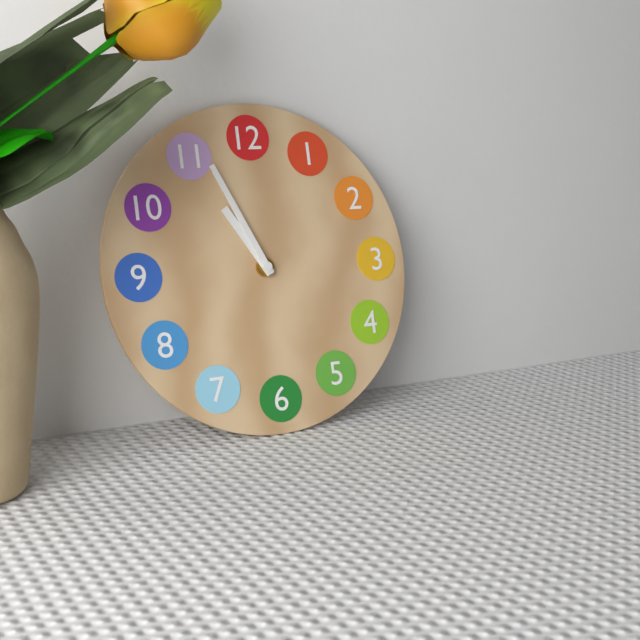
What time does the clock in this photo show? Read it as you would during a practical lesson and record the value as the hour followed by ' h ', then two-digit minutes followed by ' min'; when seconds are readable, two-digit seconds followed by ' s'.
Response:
10 h 56 min
